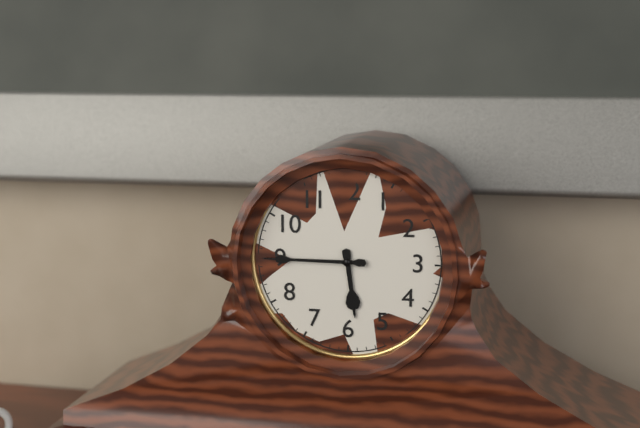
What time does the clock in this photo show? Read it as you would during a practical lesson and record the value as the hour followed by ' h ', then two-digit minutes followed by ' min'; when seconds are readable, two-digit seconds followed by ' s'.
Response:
5 h 45 min
